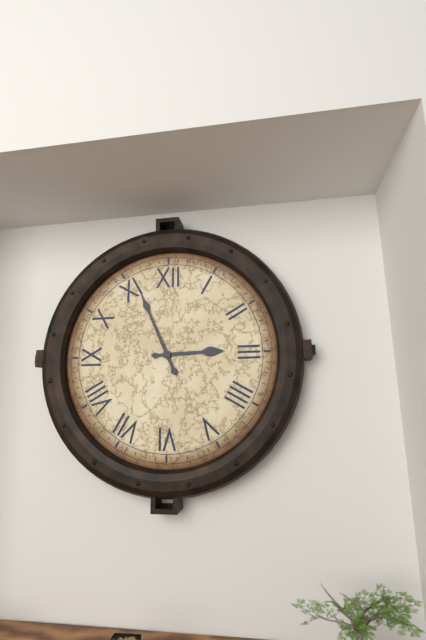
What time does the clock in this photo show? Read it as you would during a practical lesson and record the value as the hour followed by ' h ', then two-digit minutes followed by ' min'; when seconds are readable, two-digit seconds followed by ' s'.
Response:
2 h 56 min
